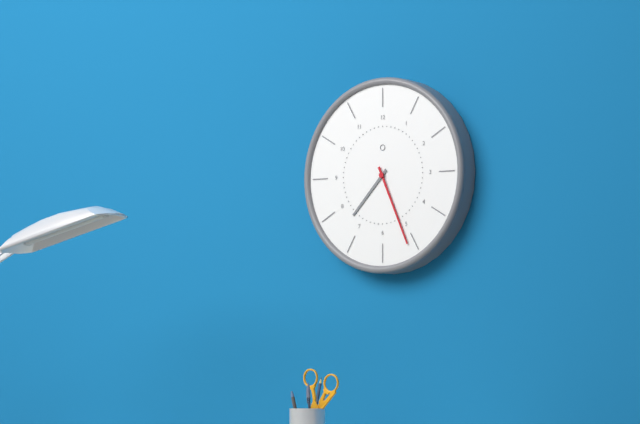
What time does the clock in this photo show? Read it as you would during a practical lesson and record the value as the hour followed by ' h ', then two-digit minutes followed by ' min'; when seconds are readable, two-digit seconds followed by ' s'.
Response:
7 h 26 min
